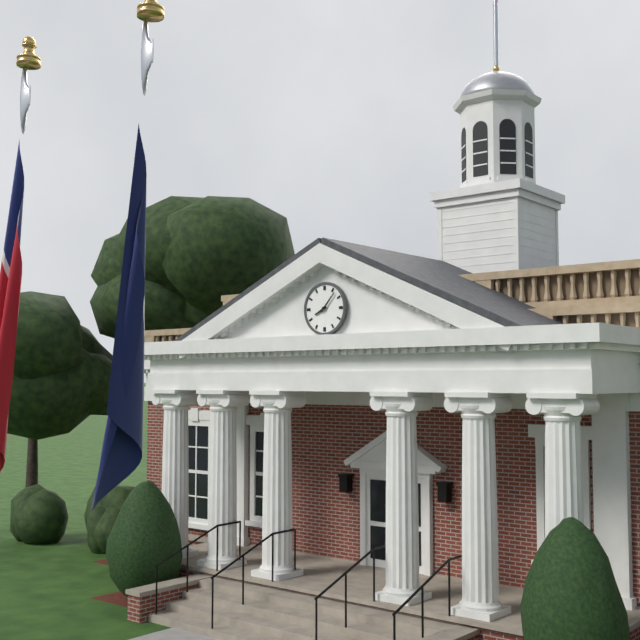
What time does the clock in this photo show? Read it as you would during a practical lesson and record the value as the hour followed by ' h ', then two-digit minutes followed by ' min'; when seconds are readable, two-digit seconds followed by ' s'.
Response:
8 h 07 min
